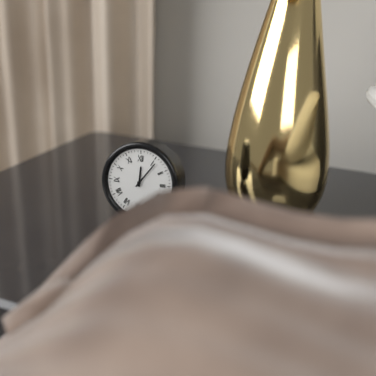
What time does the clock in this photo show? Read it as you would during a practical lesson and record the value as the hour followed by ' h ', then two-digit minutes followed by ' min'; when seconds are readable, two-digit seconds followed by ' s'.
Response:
12 h 06 min
